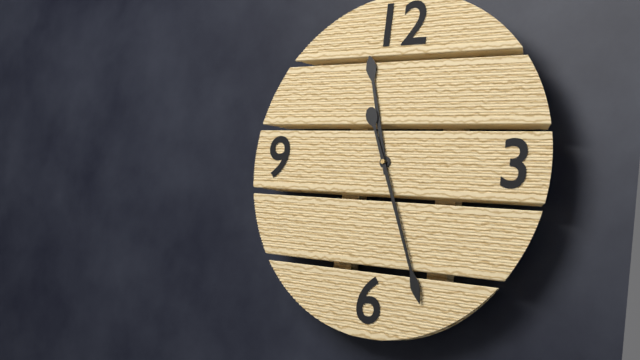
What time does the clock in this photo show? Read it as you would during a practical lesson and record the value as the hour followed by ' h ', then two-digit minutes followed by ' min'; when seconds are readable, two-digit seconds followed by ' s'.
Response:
11 h 26 min
